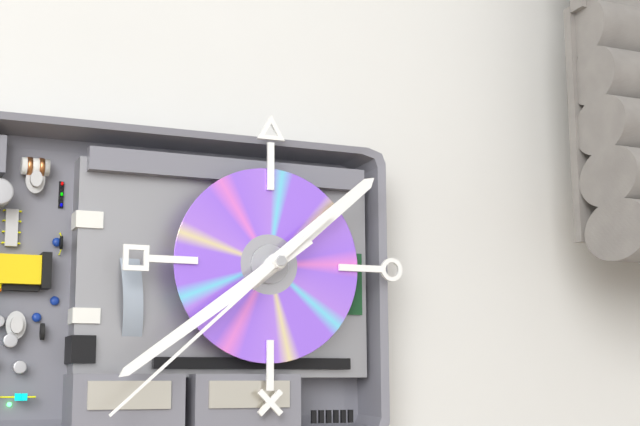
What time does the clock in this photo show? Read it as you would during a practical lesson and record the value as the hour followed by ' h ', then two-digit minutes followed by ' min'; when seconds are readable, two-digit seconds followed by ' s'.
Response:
1 h 39 min 38 s
